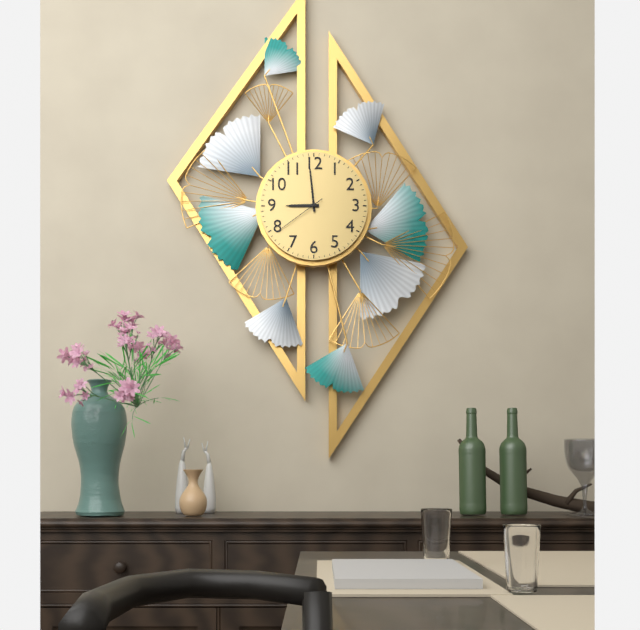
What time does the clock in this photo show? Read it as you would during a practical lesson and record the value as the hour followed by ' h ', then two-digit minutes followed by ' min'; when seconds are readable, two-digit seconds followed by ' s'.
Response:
8 h 59 min 39 s
